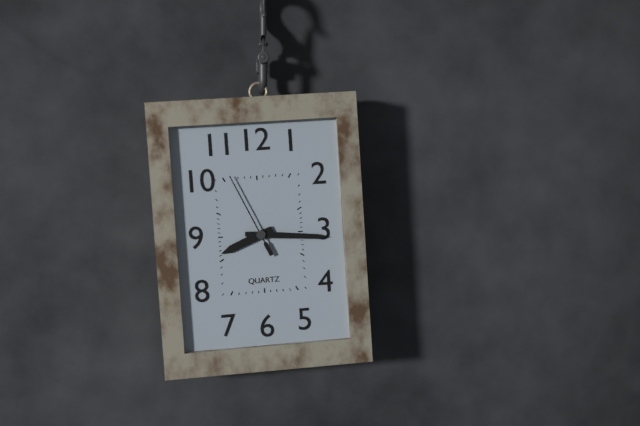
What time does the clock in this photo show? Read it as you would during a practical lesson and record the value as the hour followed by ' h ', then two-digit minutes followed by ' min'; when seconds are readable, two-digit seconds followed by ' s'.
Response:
8 h 16 min 56 s
